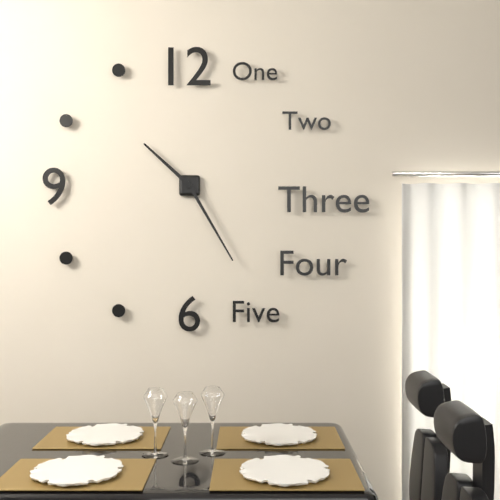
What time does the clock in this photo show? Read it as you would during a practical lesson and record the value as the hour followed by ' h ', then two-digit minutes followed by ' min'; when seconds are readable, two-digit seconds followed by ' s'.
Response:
10 h 25 min
